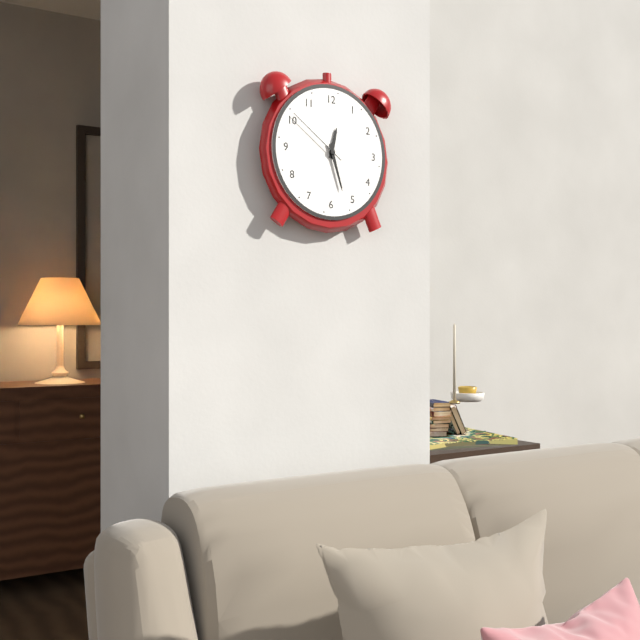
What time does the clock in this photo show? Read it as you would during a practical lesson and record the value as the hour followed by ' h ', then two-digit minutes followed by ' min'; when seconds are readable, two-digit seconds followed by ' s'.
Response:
12 h 27 min 51 s
